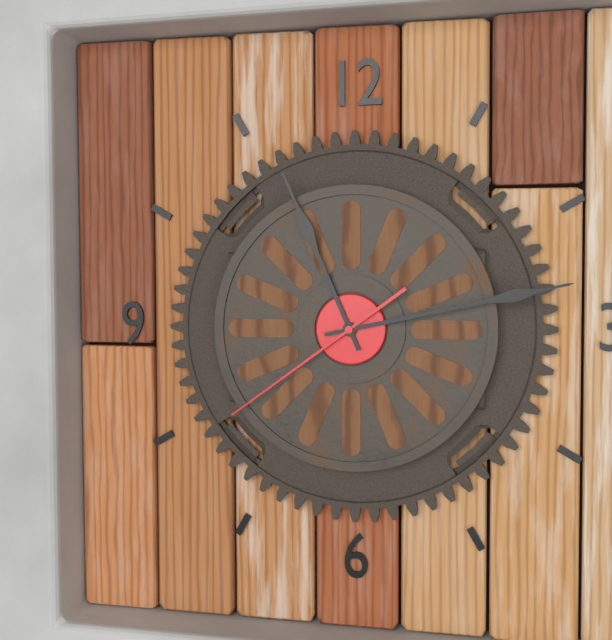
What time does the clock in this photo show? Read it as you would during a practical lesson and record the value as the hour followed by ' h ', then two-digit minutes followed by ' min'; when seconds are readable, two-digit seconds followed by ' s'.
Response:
11 h 13 min 39 s
